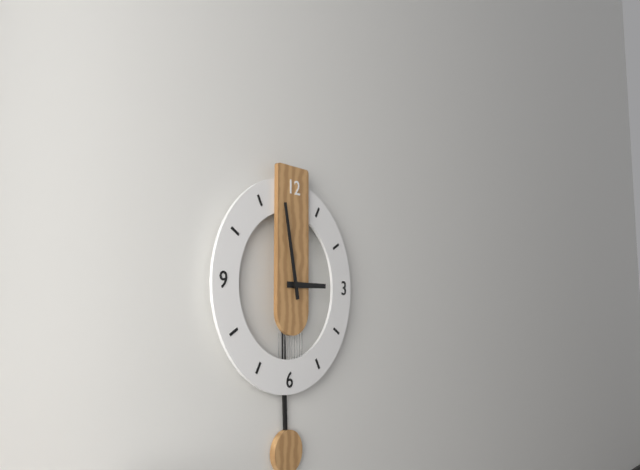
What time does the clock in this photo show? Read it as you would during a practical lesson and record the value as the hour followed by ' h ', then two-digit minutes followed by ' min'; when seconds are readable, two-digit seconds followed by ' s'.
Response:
2 h 58 min
